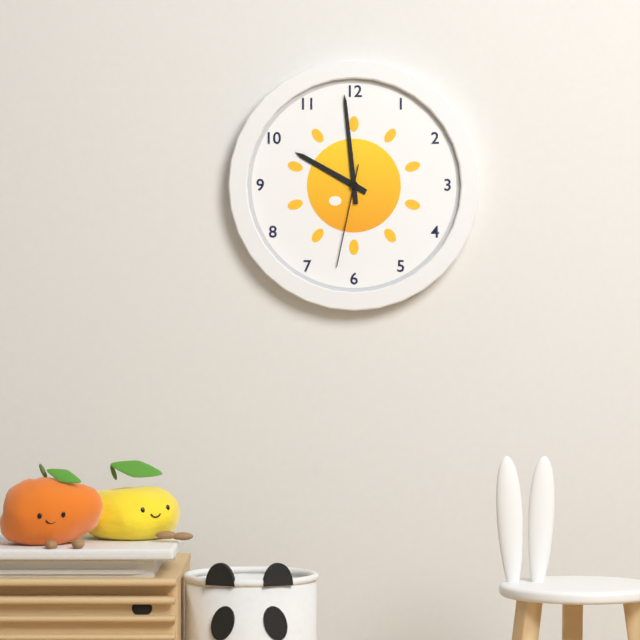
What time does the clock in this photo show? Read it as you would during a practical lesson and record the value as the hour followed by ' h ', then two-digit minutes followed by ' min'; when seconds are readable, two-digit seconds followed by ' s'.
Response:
9 h 59 min 32 s
